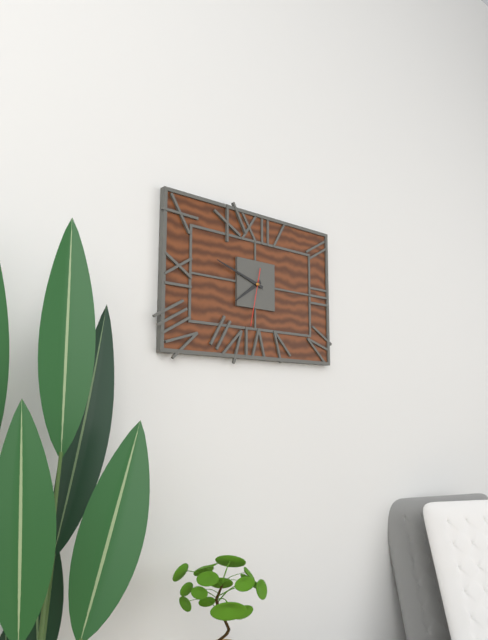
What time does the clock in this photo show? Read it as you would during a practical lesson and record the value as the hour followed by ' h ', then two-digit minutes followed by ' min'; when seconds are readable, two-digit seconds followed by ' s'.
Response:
7 h 48 min
